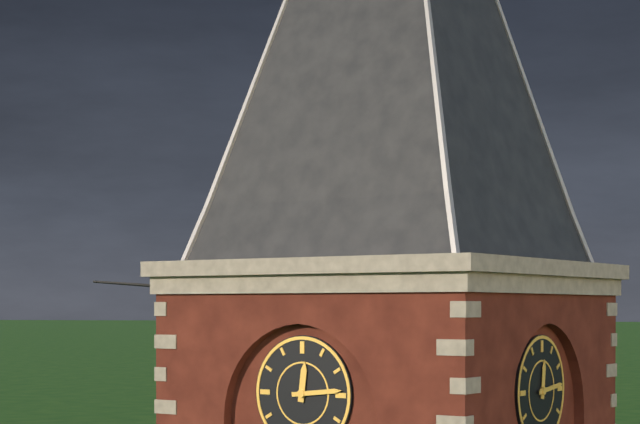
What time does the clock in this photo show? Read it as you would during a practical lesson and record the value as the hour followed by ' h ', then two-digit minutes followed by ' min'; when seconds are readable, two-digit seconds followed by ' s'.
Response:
12 h 14 min
